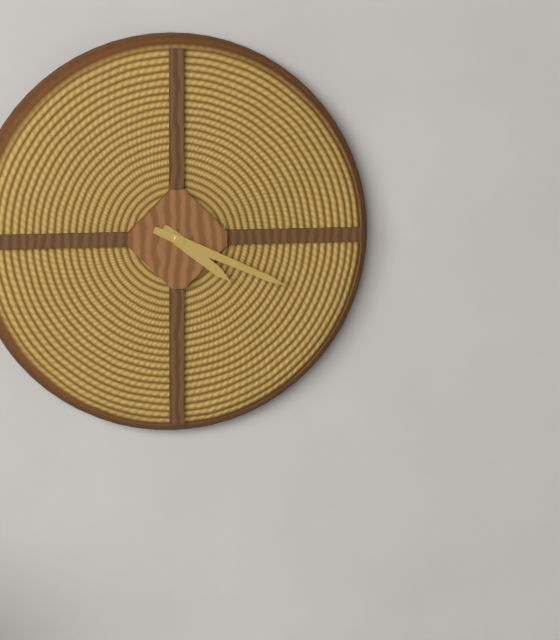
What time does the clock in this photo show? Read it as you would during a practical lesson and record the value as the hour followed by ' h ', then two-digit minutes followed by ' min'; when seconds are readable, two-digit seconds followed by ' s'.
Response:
4 h 19 min
